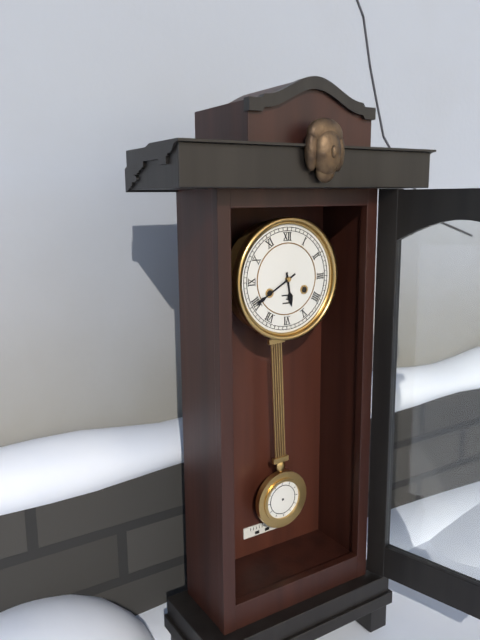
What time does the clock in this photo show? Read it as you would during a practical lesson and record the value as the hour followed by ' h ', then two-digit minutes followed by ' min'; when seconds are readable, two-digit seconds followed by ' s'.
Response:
5 h 40 min
